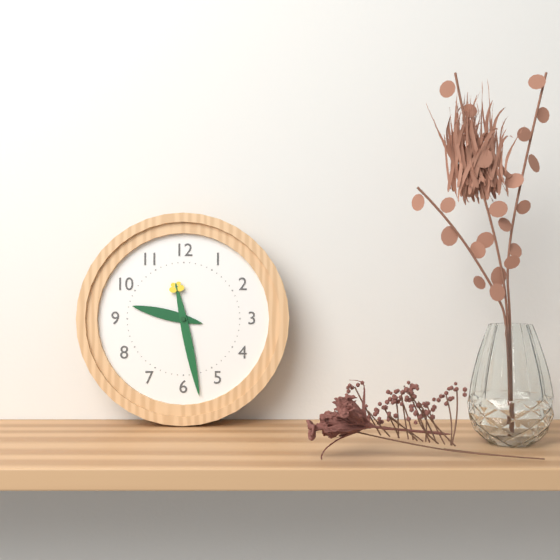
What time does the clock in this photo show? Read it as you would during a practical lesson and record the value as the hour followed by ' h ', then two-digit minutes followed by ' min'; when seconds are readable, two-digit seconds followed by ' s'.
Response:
9 h 28 min
